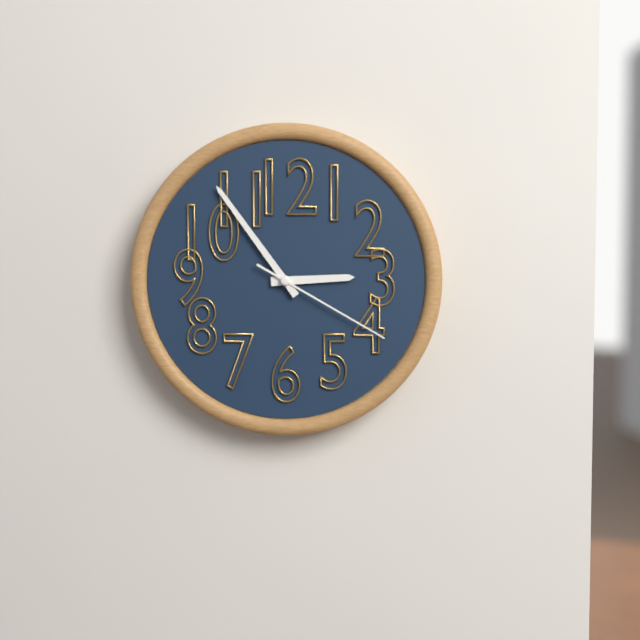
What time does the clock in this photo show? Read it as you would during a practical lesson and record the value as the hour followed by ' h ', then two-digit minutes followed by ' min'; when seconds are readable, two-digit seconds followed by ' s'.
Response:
2 h 54 min 20 s
